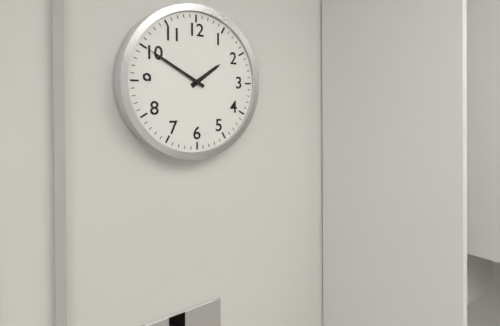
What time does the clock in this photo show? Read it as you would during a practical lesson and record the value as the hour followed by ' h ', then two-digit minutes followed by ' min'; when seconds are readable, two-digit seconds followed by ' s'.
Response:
1 h 50 min
